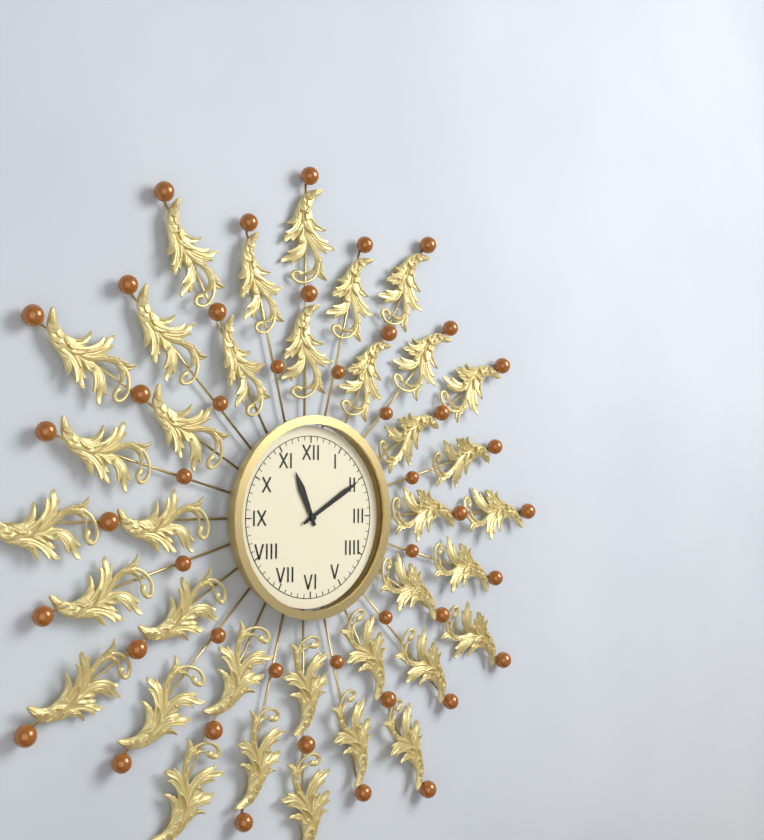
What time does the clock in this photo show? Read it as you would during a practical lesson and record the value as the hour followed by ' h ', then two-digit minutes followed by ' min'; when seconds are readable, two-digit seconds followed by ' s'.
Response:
11 h 10 min
